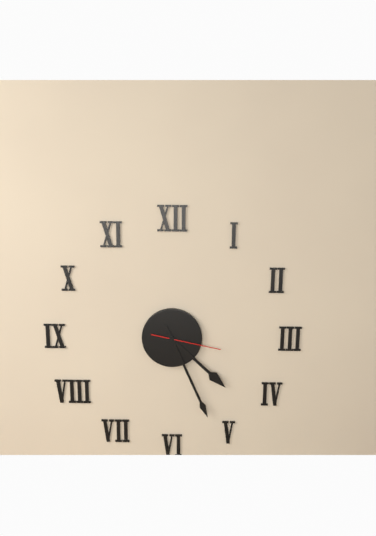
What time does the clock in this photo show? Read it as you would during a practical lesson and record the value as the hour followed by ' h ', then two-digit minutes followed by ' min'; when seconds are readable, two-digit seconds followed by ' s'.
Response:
4 h 26 min 17 s
